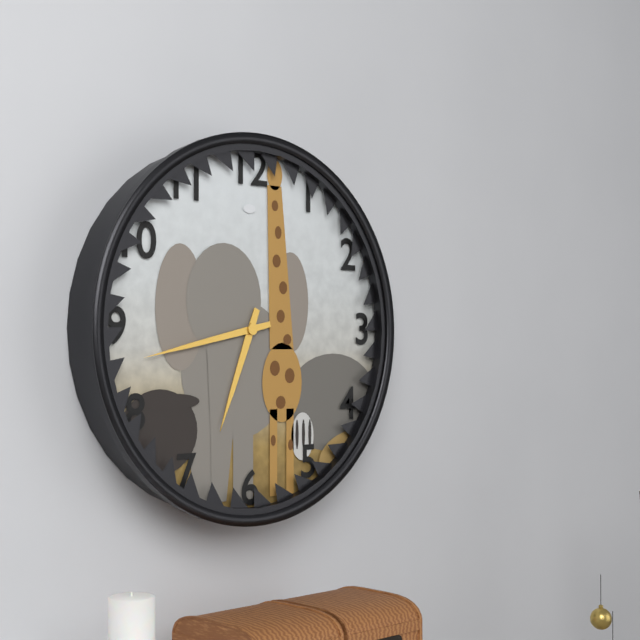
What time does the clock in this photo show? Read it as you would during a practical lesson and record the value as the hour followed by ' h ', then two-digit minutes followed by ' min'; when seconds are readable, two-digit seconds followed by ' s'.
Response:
6 h 43 min
